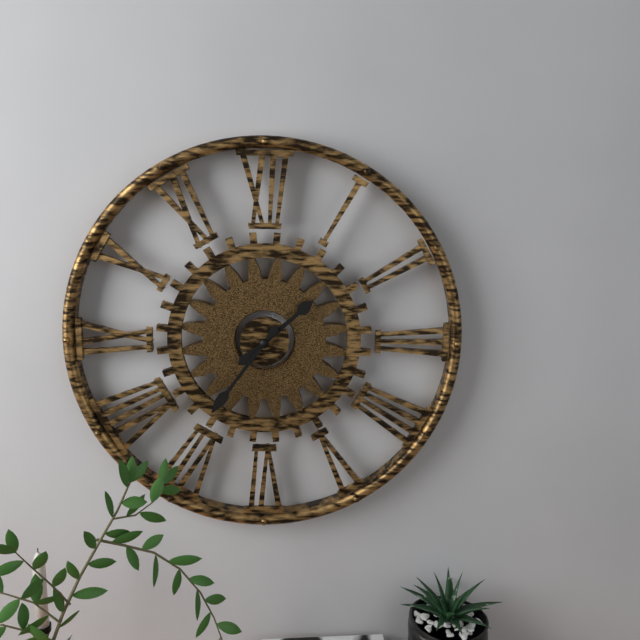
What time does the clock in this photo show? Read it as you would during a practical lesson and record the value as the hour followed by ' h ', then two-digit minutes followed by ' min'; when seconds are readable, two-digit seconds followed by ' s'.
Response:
1 h 36 min
